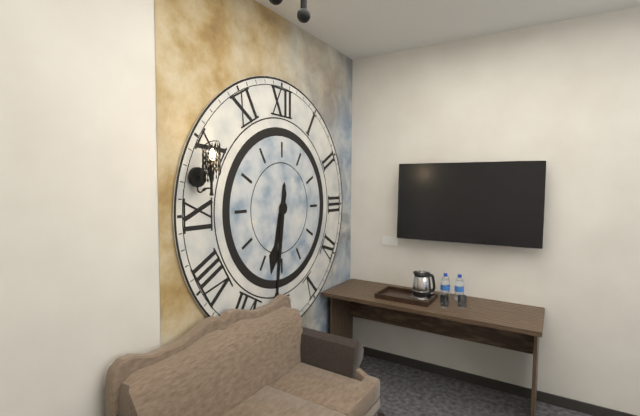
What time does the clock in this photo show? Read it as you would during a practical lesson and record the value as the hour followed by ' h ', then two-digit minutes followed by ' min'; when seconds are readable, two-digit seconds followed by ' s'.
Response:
6 h 31 min
